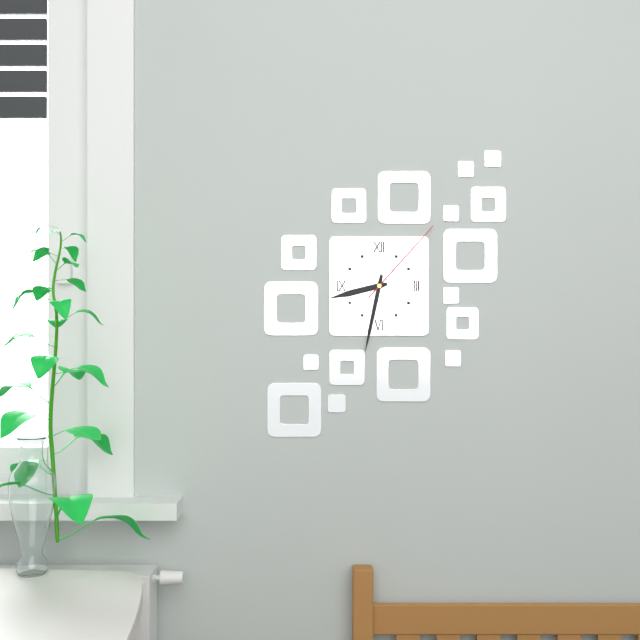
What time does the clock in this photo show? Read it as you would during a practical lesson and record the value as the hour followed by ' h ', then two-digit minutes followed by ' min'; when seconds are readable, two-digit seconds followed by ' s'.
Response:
8 h 32 min 07 s
